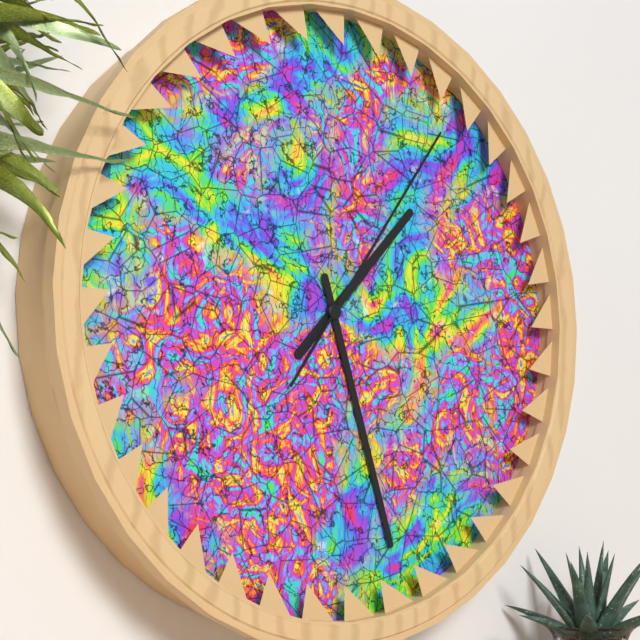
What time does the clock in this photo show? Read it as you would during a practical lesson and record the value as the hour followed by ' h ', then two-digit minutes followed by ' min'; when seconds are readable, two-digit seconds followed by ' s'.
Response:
1 h 27 min 06 s
